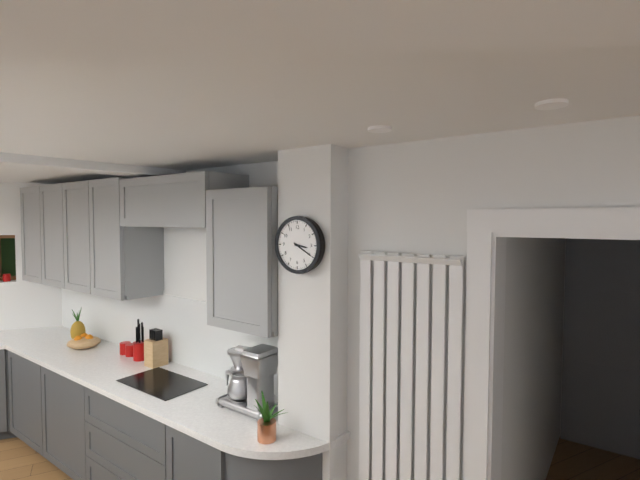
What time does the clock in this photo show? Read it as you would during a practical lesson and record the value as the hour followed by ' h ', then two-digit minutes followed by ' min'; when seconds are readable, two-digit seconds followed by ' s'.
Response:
3 h 20 min
